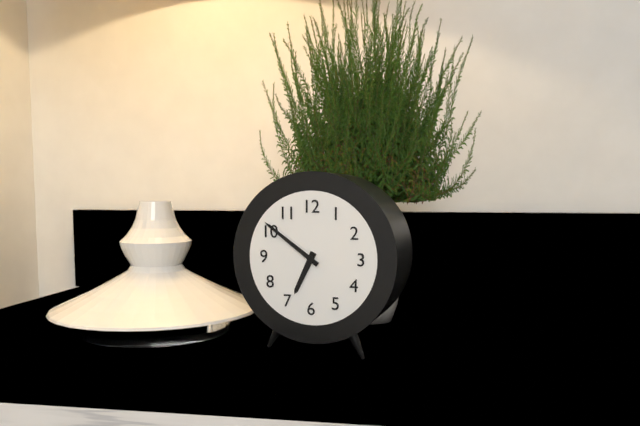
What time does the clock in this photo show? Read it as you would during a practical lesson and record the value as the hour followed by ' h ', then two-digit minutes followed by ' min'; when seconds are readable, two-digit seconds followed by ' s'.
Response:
6 h 51 min
